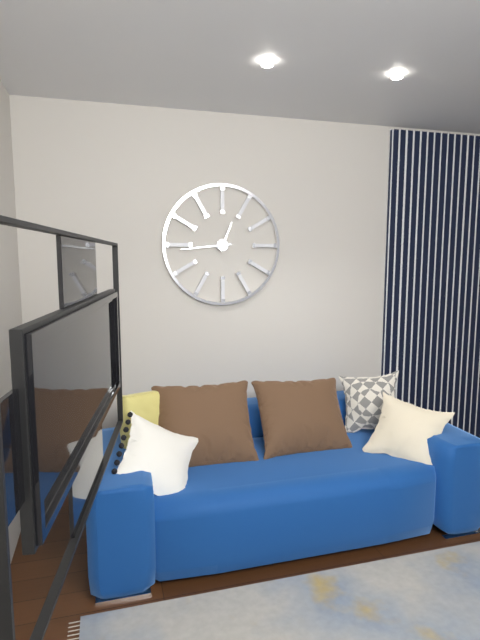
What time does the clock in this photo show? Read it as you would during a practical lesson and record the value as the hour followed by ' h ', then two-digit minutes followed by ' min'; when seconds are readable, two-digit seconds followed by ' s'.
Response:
12 h 44 min
